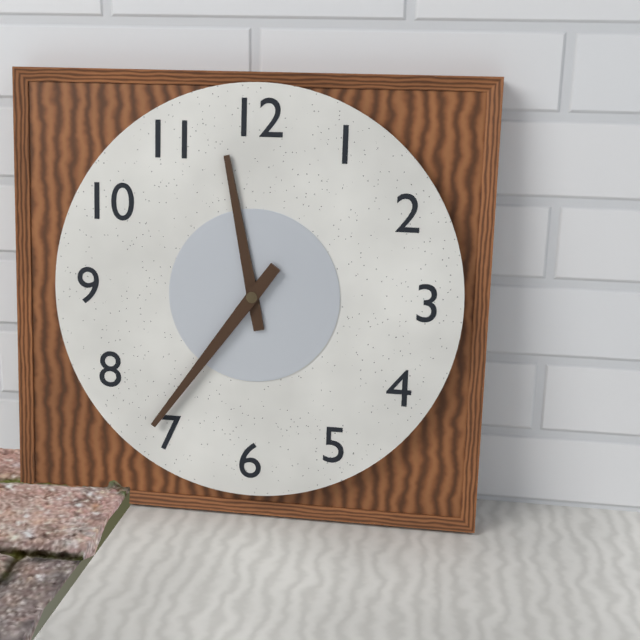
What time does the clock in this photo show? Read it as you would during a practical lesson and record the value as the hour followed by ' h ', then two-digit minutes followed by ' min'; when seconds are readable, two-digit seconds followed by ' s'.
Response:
11 h 36 min
